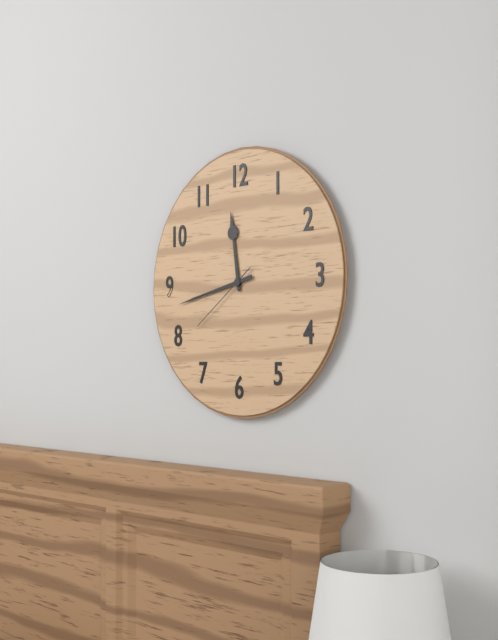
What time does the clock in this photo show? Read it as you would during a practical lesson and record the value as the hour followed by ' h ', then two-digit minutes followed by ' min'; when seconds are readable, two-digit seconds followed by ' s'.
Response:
11 h 43 min 39 s
